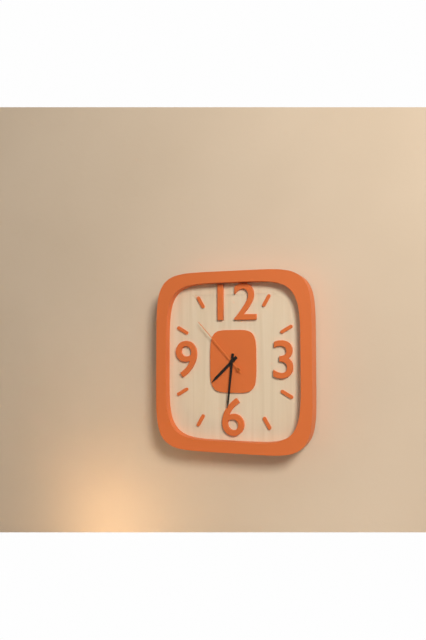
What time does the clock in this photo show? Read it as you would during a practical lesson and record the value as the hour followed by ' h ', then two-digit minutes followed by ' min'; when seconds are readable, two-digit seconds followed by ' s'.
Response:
7 h 31 min 53 s
